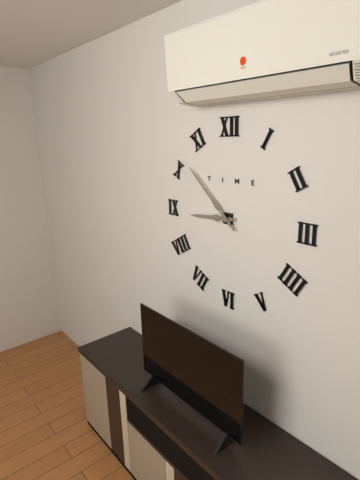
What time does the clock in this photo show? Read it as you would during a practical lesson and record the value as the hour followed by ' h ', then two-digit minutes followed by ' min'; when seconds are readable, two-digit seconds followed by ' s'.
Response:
8 h 52 min
